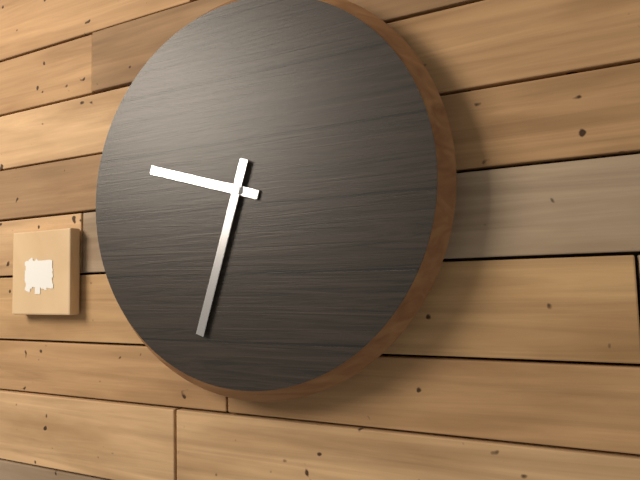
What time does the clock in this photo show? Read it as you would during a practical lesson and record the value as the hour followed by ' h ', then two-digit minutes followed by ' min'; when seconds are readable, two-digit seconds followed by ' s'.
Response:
9 h 33 min
